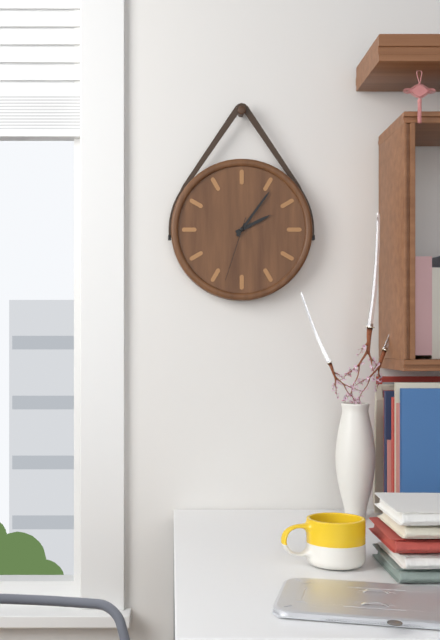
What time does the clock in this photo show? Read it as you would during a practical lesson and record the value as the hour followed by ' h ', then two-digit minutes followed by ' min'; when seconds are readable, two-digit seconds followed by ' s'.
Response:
2 h 06 min 33 s
